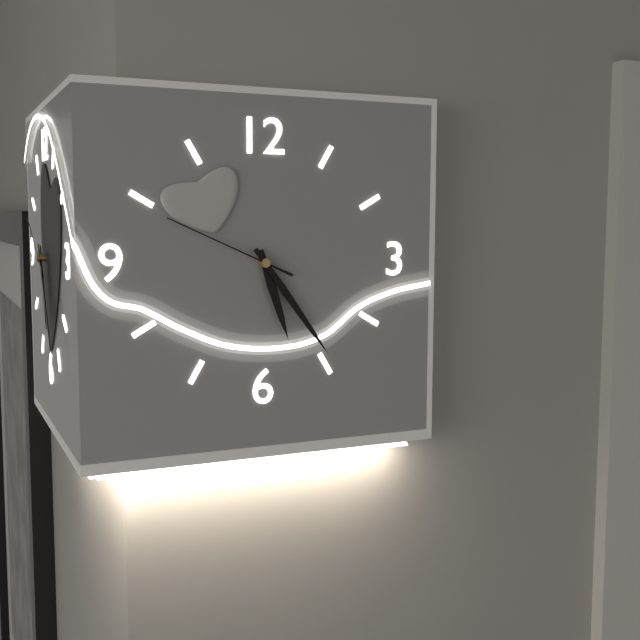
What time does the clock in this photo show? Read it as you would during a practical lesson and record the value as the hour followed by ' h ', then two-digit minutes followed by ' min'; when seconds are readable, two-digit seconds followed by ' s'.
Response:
5 h 24 min 49 s
